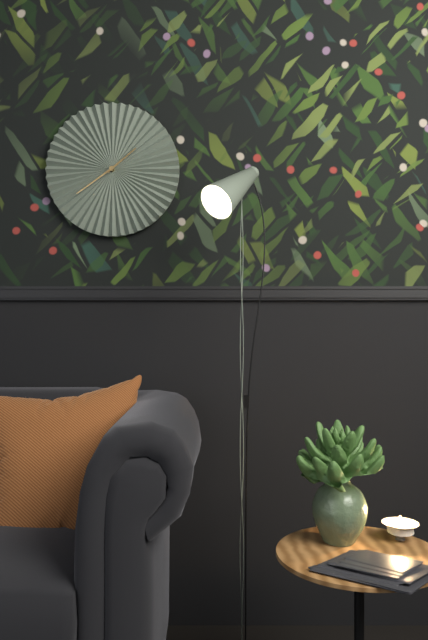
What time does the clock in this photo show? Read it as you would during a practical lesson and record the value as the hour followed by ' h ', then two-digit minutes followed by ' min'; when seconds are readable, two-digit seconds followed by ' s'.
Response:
1 h 39 min
